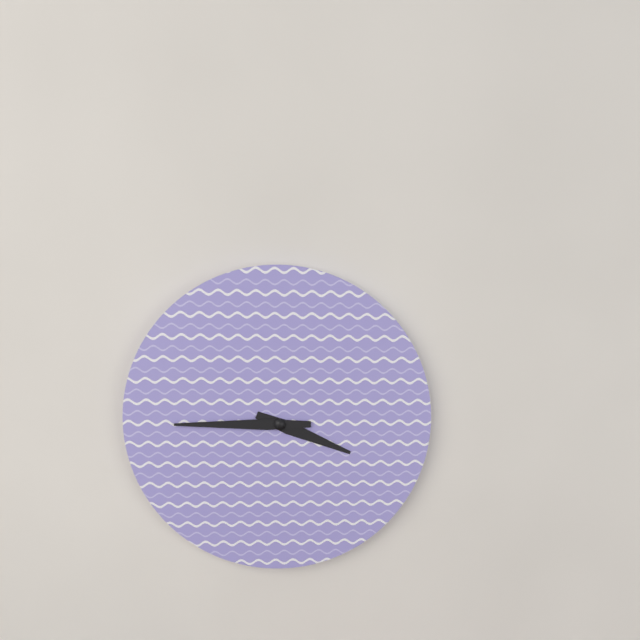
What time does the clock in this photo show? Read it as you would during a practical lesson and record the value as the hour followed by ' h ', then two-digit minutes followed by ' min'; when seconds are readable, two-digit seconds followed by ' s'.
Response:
3 h 45 min
